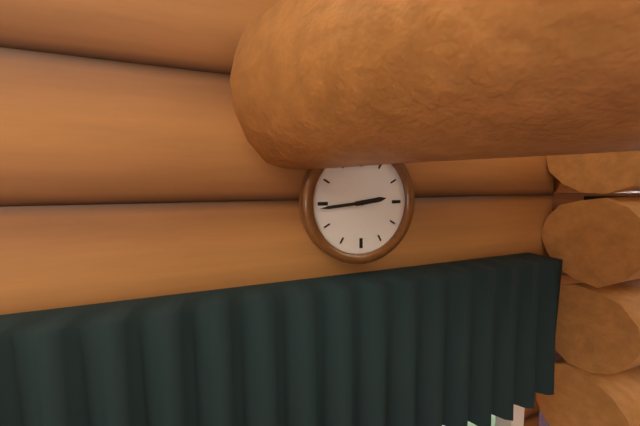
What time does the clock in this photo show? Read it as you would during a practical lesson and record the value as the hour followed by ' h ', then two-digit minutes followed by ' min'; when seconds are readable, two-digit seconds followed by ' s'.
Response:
2 h 44 min
